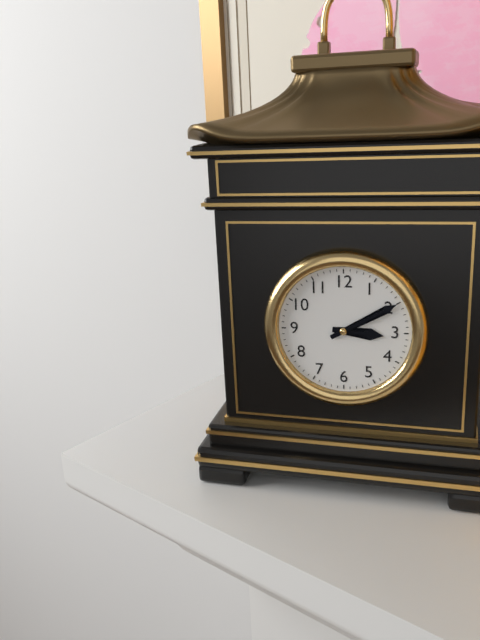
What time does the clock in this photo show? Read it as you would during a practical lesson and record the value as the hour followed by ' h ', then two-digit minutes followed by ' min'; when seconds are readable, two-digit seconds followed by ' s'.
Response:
3 h 10 min
